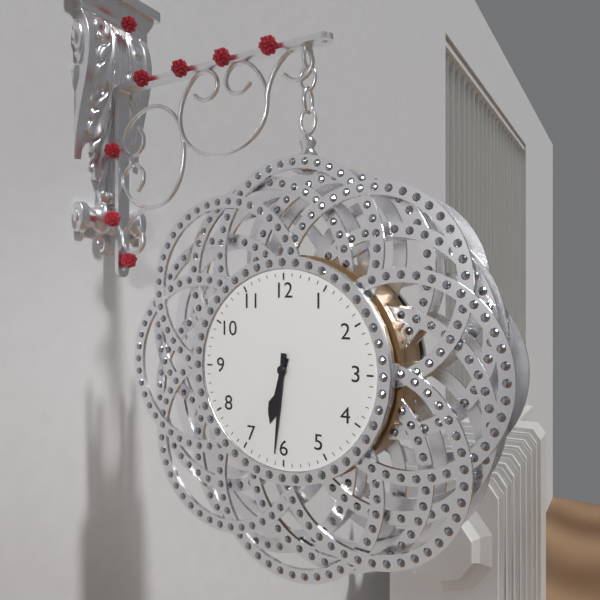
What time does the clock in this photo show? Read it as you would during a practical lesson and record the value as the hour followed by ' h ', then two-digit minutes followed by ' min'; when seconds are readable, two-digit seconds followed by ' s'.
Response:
6 h 31 min
